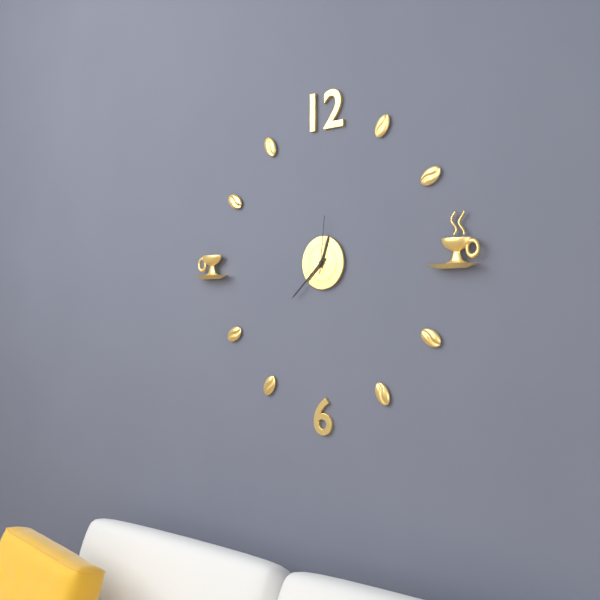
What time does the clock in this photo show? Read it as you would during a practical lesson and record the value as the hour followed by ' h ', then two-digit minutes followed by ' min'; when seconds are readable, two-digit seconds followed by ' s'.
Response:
12 h 38 min 01 s
